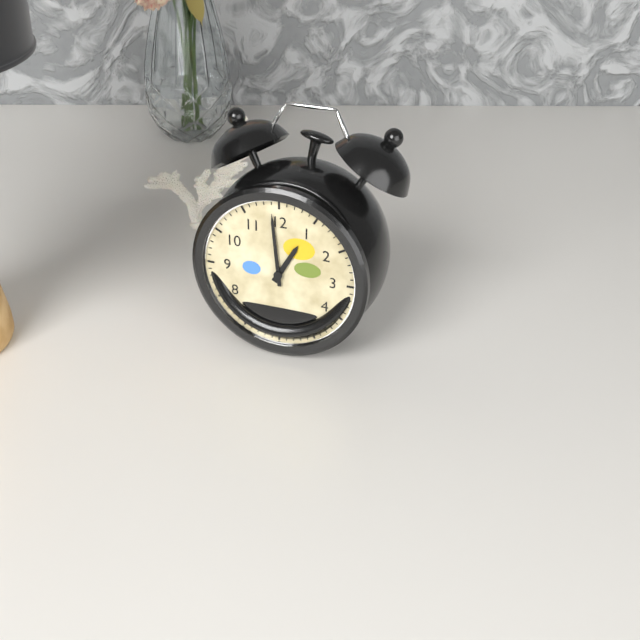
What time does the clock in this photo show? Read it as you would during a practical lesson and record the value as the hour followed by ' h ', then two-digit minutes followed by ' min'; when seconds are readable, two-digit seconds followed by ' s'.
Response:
12 h 59 min
